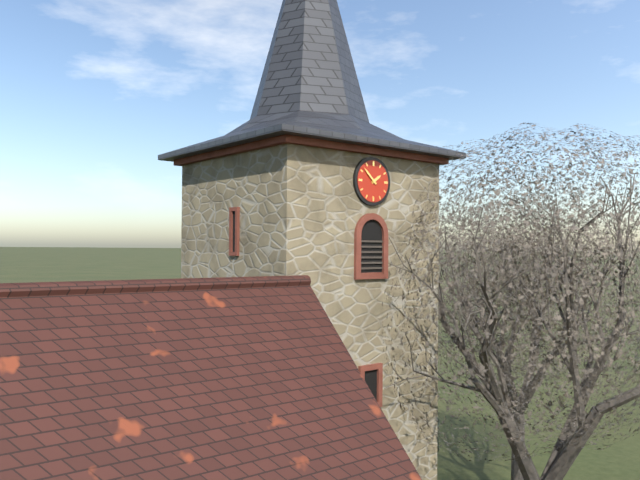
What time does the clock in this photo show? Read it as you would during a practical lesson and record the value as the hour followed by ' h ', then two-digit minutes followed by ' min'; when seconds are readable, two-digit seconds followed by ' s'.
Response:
1 h 52 min
